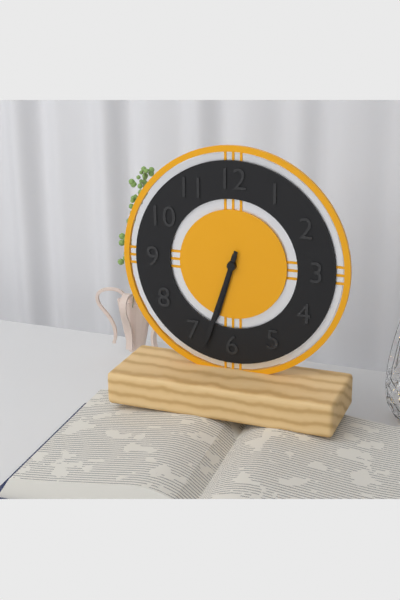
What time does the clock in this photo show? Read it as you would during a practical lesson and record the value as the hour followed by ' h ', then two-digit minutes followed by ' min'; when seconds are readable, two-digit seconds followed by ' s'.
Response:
6 h 33 min
